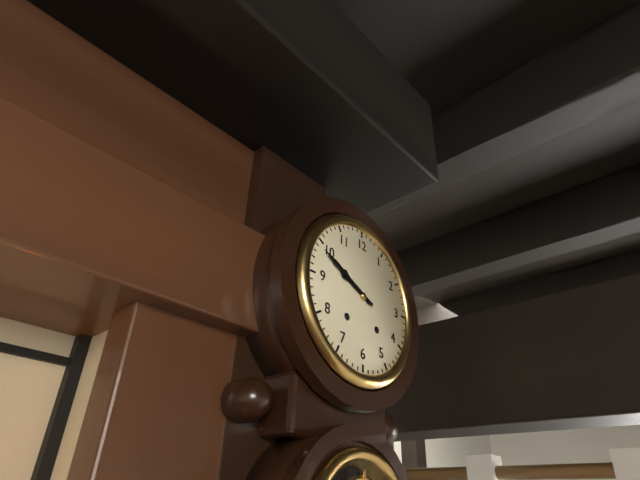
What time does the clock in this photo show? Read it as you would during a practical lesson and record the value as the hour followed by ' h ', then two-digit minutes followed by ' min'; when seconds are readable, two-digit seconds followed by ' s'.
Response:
9 h 49 min
